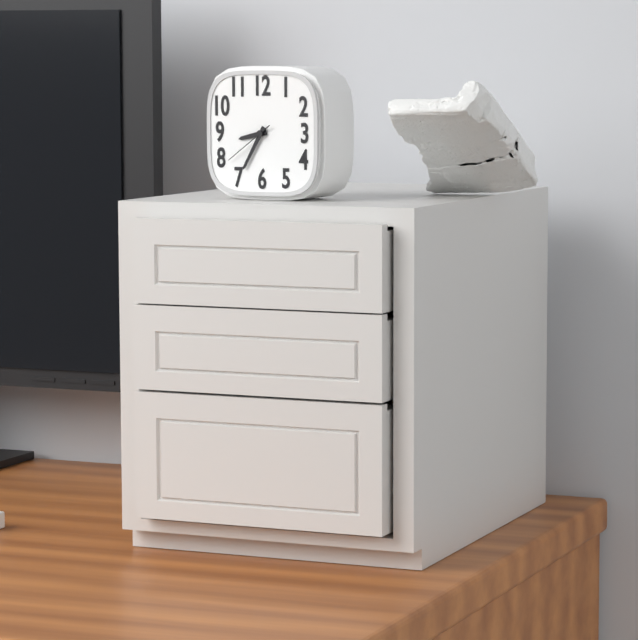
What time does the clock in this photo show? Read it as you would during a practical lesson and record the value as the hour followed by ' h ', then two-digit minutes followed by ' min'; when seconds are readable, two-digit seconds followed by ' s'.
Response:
8 h 35 min 39 s
